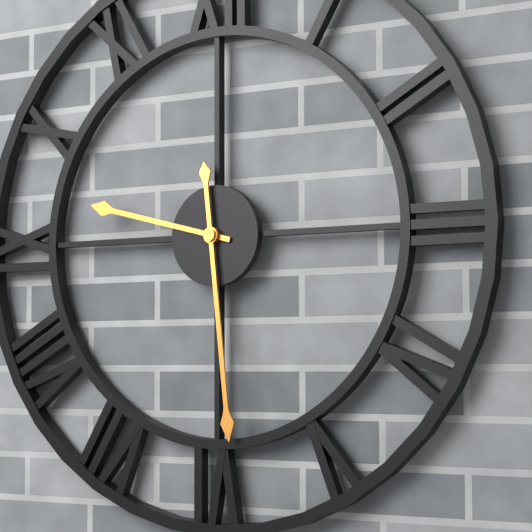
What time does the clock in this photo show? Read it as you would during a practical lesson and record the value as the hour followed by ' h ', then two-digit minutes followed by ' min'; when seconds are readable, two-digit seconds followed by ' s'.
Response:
9 h 29 min
